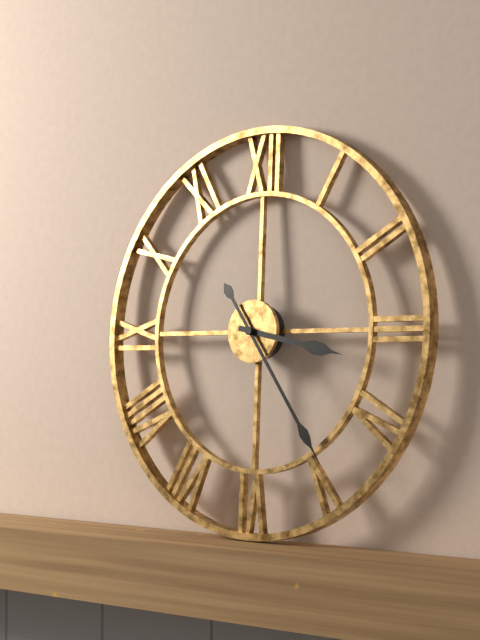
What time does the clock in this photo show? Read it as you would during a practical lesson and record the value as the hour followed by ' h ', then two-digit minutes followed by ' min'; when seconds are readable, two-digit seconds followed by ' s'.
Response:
3 h 24 min
